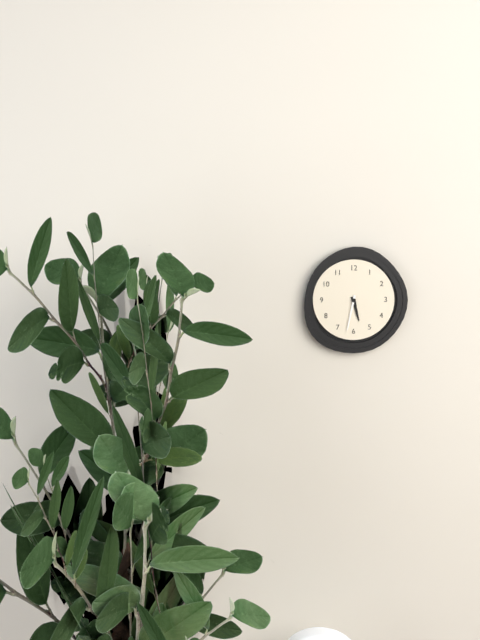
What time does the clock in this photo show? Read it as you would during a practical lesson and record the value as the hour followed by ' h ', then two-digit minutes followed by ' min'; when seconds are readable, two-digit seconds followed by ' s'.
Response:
5 h 32 min
